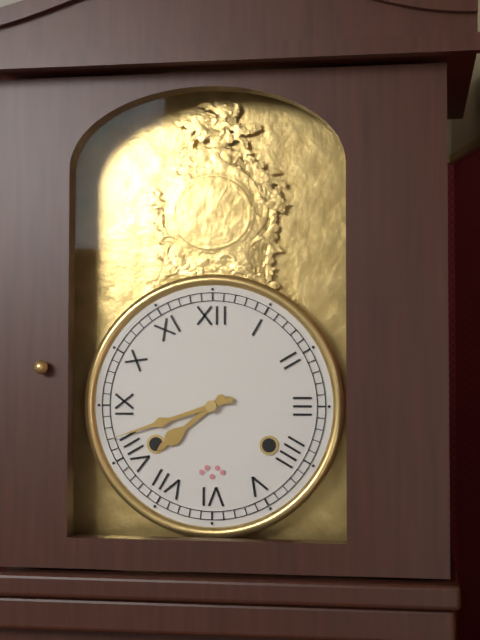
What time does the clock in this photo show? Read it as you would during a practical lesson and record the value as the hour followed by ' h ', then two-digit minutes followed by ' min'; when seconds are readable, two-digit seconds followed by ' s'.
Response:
7 h 42 min
